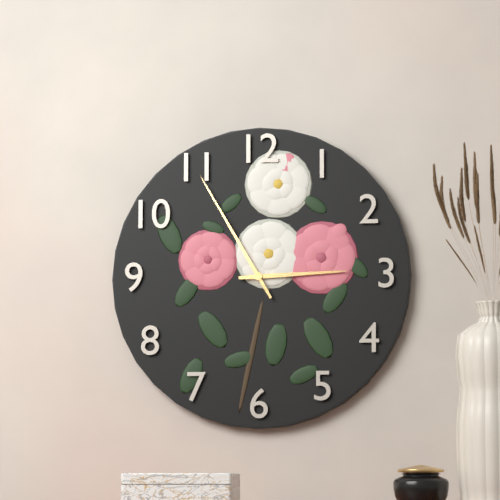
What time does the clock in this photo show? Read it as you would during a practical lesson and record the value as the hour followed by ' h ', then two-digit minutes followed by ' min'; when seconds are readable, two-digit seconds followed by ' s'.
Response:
2 h 55 min
